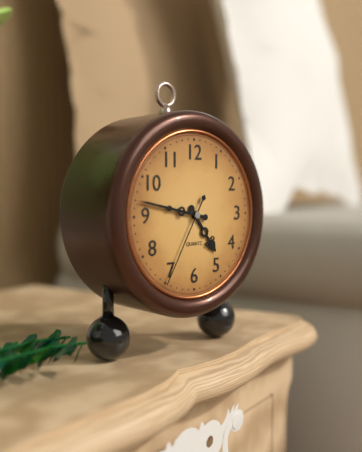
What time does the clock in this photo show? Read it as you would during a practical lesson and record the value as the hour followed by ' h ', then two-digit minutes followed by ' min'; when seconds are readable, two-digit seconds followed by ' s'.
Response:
4 h 47 min 35 s
